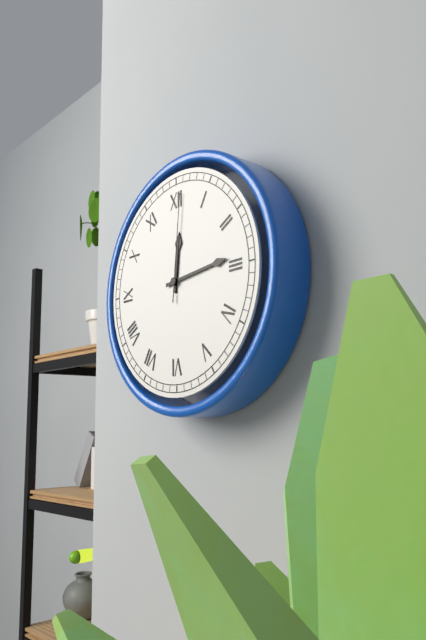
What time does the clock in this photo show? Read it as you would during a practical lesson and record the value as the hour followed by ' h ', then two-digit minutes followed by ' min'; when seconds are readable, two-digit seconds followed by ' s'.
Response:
12 h 14 min 01 s
